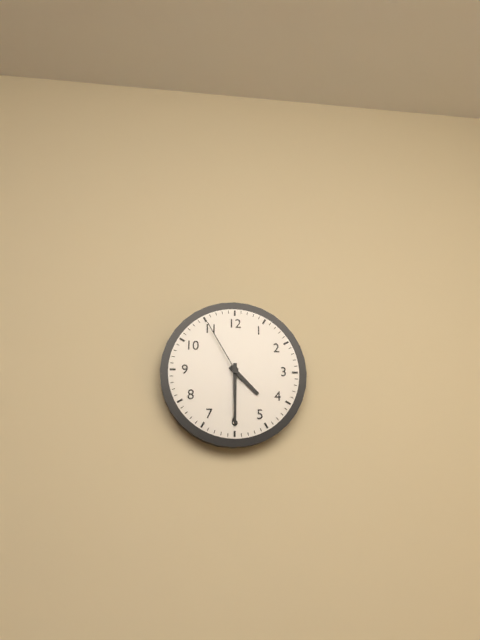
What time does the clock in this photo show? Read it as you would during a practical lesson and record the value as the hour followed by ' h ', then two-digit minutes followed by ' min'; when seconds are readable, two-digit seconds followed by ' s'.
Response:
4 h 30 min 55 s
